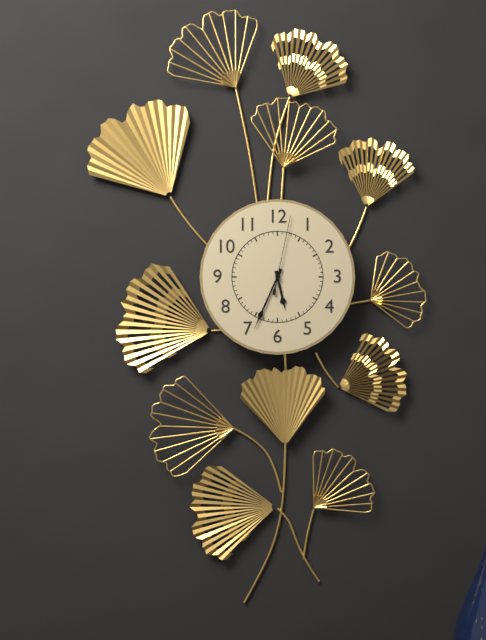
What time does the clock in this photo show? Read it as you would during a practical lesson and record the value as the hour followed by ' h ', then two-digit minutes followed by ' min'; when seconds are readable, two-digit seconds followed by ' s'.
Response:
5 h 34 min 02 s
